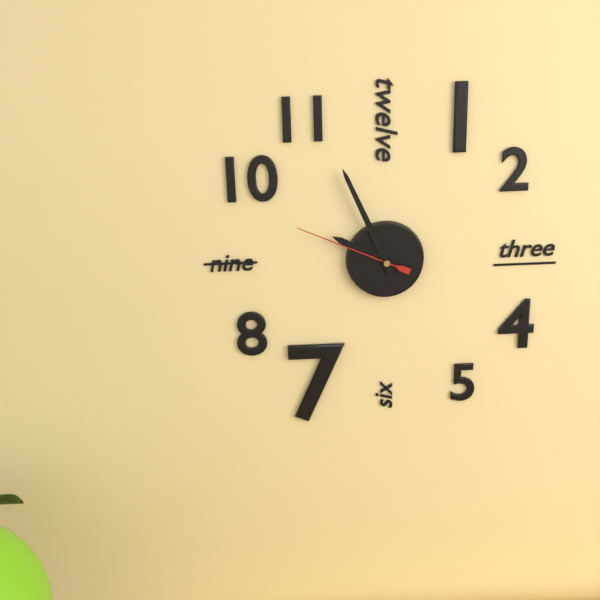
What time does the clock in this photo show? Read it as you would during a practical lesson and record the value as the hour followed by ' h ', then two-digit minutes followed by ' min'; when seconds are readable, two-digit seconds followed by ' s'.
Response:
9 h 56 min 49 s
